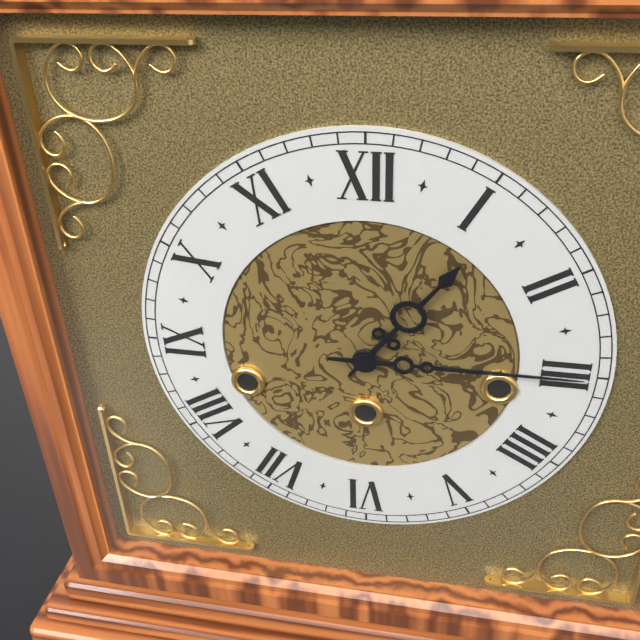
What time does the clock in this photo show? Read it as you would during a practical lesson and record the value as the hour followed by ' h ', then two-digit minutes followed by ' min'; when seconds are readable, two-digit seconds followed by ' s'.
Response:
1 h 15 min
